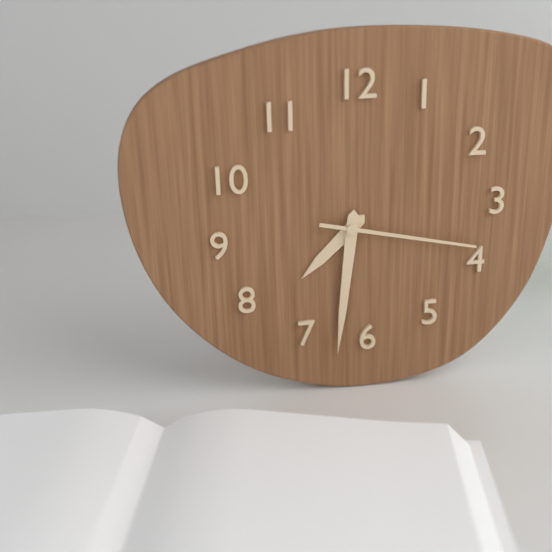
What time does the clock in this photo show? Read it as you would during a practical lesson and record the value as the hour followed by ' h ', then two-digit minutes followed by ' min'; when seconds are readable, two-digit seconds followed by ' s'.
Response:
7 h 31 min 17 s
